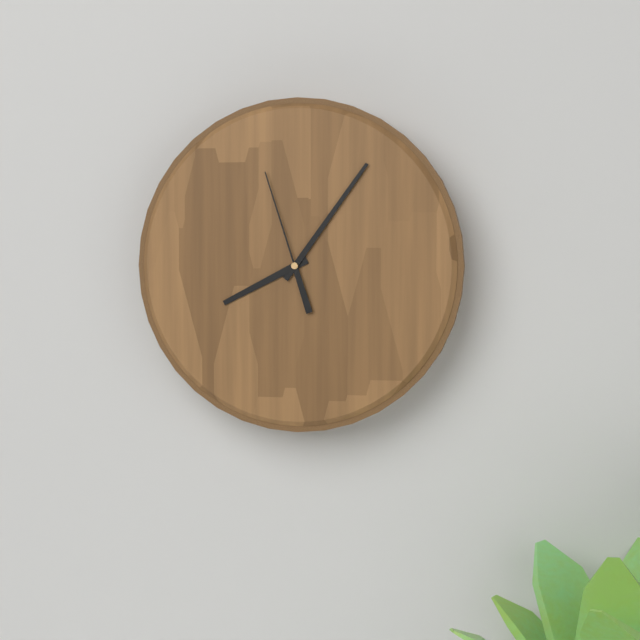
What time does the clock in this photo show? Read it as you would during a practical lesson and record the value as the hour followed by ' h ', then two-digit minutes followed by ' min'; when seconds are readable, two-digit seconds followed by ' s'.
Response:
8 h 06 min 57 s
